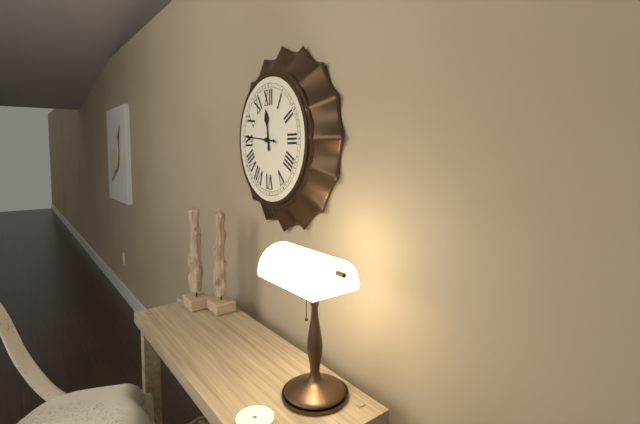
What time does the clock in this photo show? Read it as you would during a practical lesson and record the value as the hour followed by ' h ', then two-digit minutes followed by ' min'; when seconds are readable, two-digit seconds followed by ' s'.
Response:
11 h 46 min
